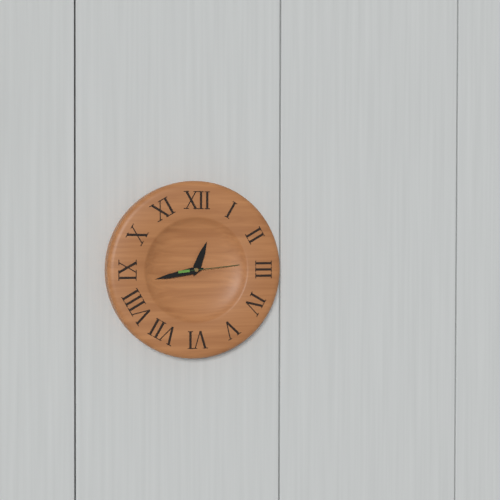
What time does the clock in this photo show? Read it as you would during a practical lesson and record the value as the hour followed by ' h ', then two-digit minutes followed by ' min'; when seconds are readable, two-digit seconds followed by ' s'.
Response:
12 h 43 min 14 s
